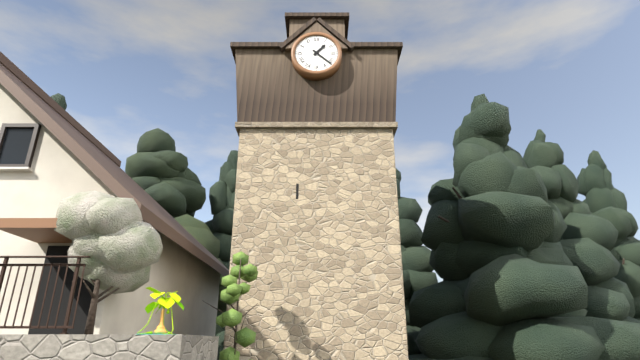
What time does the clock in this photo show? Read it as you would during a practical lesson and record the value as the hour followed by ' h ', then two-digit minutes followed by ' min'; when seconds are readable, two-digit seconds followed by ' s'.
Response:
1 h 22 min
